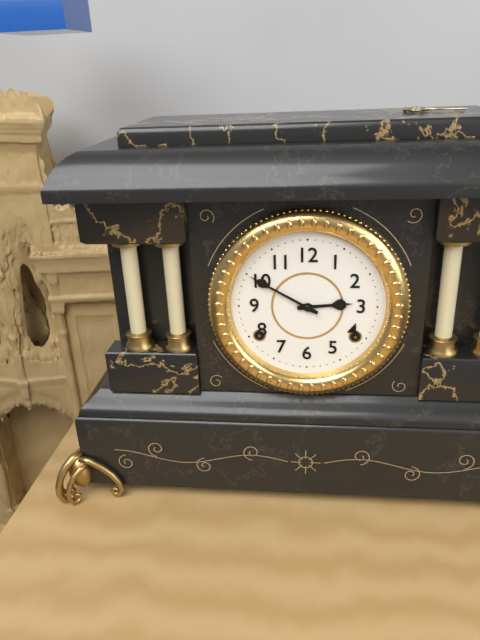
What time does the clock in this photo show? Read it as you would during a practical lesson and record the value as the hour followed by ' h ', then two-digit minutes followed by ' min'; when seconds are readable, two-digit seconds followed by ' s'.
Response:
2 h 50 min
